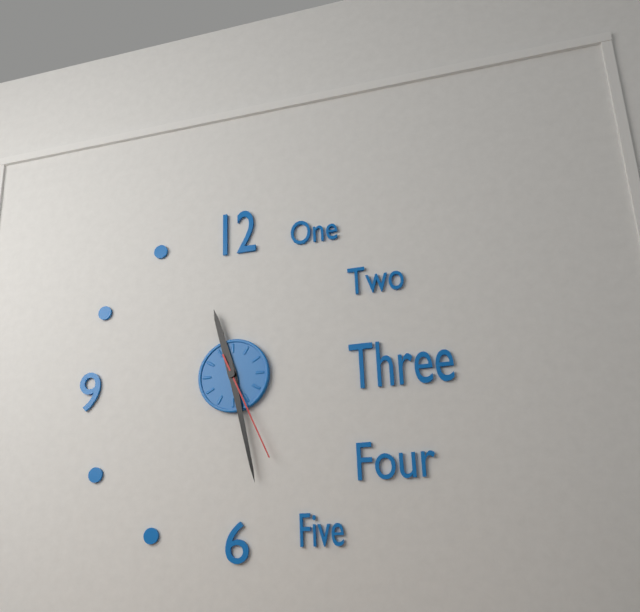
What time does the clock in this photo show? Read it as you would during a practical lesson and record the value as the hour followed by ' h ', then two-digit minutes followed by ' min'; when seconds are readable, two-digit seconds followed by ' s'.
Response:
11 h 28 min 26 s
